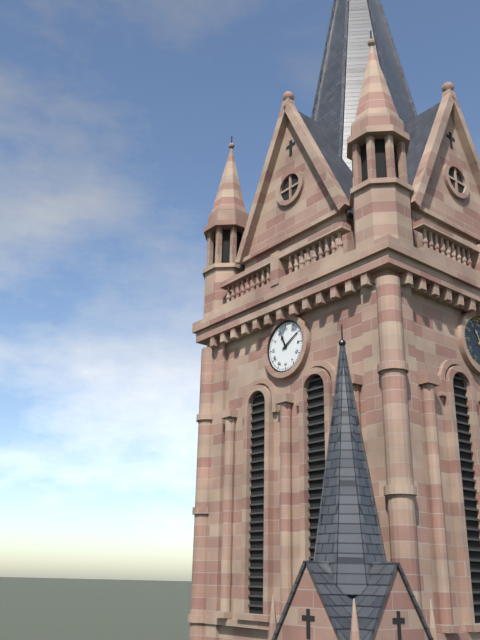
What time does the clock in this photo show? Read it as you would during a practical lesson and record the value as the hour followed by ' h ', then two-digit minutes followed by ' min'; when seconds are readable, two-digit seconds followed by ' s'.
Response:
11 h 10 min
